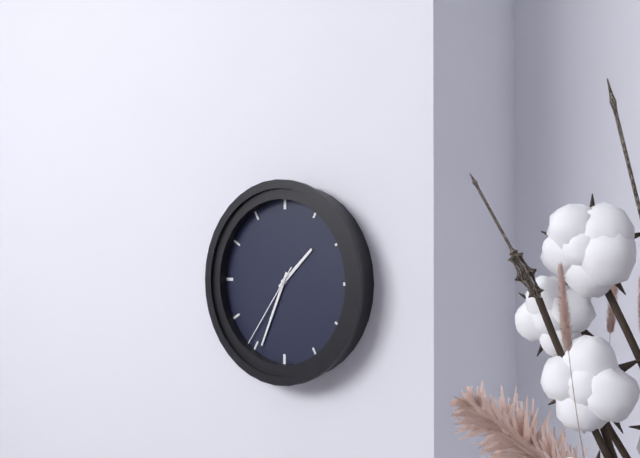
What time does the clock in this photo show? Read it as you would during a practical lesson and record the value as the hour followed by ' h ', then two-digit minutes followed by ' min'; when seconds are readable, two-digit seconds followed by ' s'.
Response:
1 h 34 min 36 s
